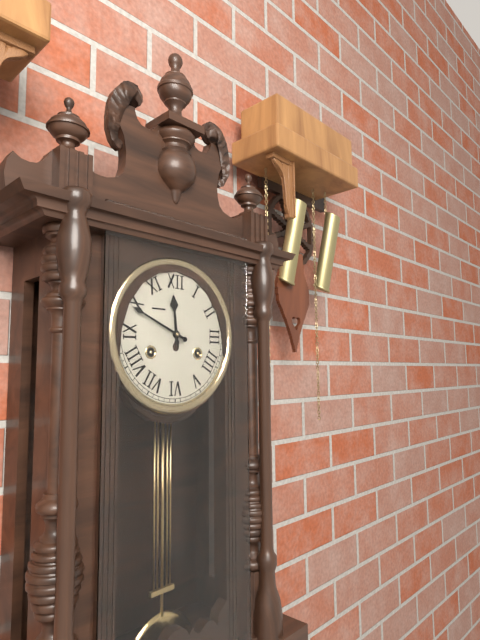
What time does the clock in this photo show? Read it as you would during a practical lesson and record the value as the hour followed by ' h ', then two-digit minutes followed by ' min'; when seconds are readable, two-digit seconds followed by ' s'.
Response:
11 h 49 min
